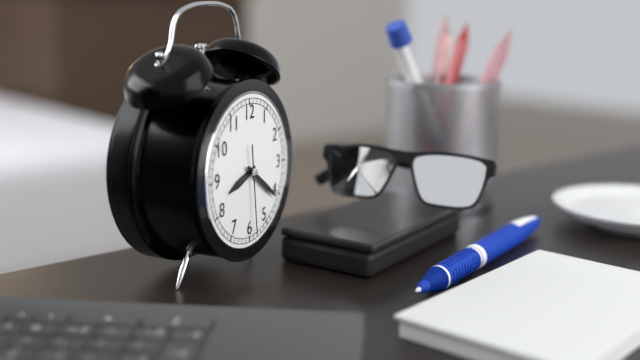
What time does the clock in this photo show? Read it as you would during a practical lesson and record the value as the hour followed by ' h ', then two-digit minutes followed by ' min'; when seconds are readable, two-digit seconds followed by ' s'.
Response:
8 h 21 min 29 s
